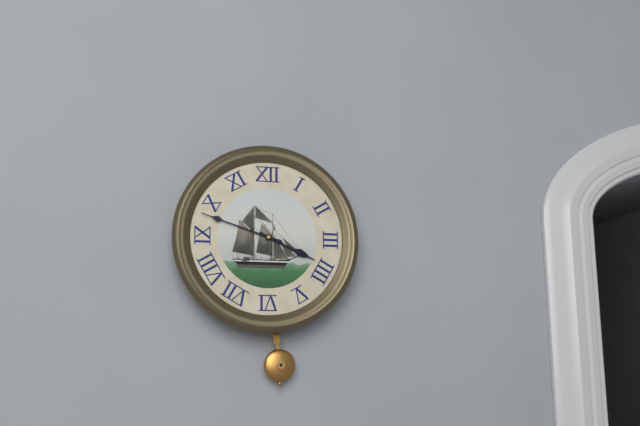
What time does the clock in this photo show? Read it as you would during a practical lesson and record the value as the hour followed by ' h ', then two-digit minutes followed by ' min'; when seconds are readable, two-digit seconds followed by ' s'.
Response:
3 h 48 min
